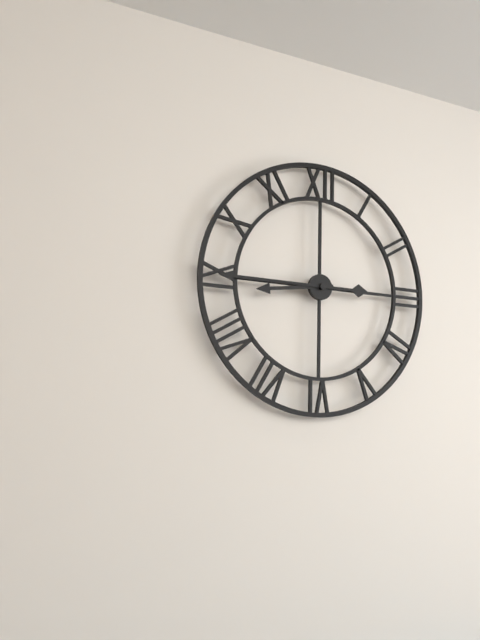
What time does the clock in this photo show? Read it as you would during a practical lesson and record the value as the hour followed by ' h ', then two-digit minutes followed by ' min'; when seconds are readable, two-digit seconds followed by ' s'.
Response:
8 h 45 min
